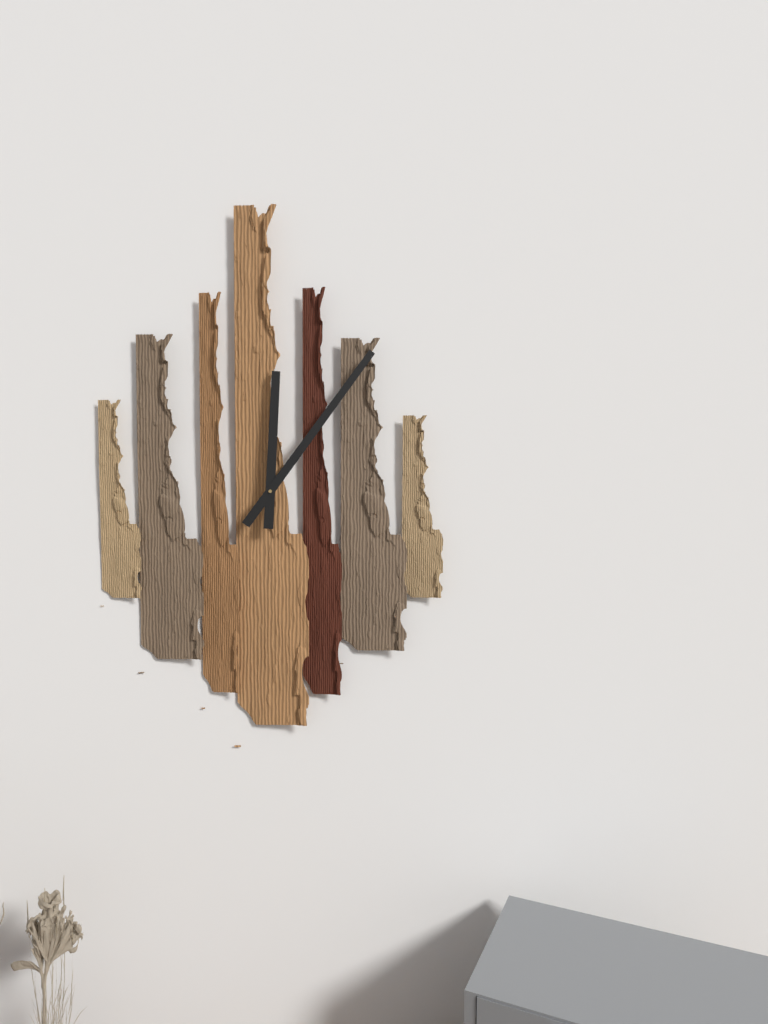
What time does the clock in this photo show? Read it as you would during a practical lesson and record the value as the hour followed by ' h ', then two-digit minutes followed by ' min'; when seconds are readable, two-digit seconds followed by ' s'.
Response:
12 h 06 min
